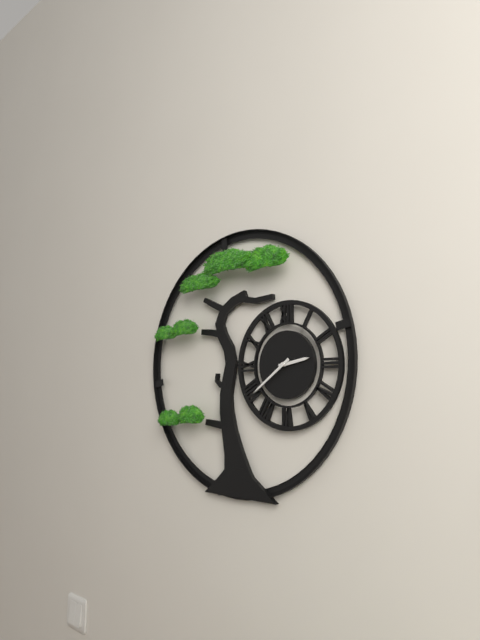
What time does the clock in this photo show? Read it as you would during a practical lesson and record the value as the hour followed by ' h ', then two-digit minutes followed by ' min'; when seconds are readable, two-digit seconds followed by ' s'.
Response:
2 h 39 min
